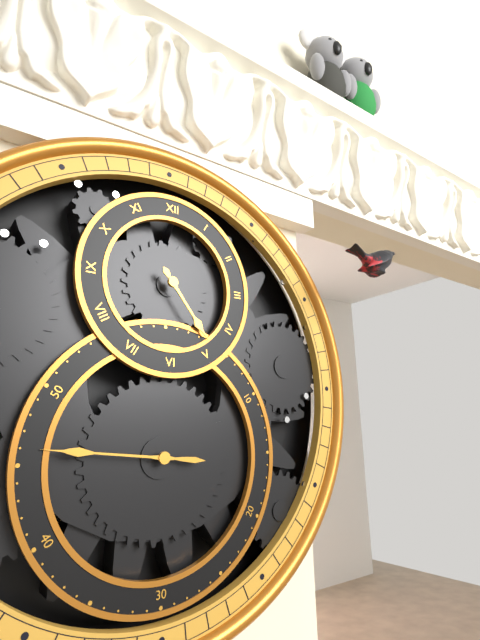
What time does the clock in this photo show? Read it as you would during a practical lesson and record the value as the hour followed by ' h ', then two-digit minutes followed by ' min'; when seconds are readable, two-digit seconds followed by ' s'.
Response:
4 h 46 min
